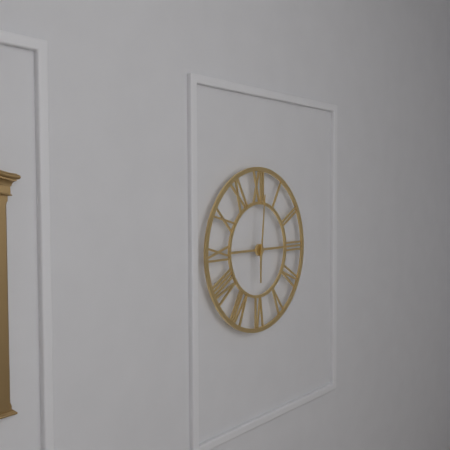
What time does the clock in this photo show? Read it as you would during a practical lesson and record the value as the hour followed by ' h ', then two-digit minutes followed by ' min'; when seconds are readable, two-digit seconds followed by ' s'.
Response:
6 h 01 min
